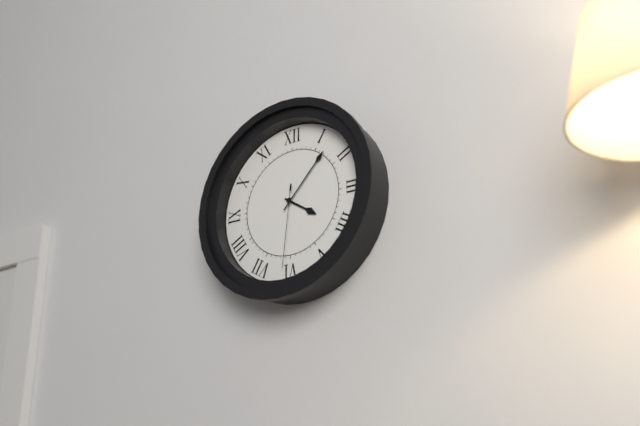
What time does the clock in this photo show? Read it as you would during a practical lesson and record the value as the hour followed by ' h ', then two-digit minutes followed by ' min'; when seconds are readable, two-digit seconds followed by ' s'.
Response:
4 h 07 min 31 s
